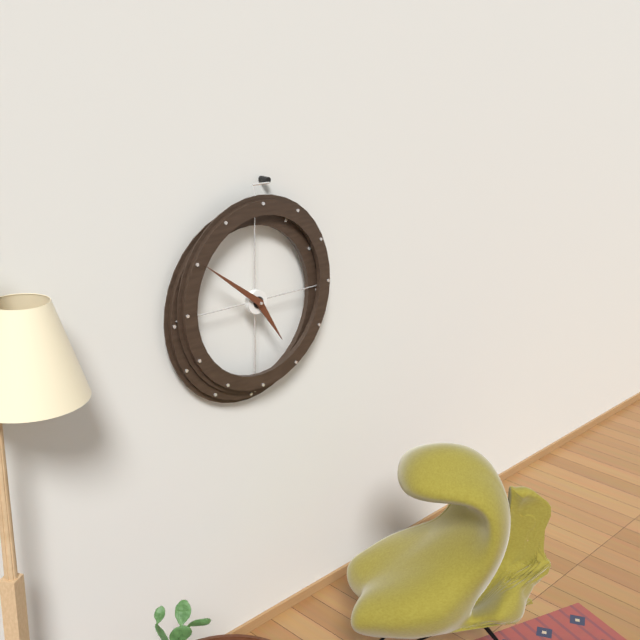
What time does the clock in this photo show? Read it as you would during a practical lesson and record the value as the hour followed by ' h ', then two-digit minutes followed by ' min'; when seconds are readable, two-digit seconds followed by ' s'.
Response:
4 h 51 min
